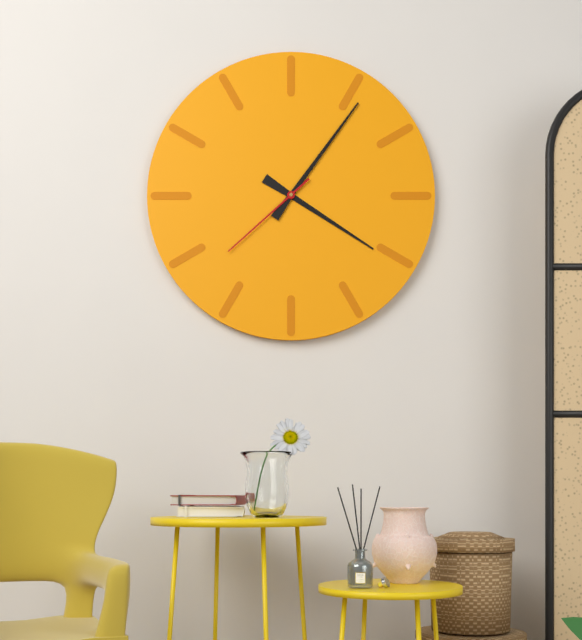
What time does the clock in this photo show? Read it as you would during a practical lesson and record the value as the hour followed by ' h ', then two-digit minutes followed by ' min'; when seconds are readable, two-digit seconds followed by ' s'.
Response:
4 h 06 min 38 s
